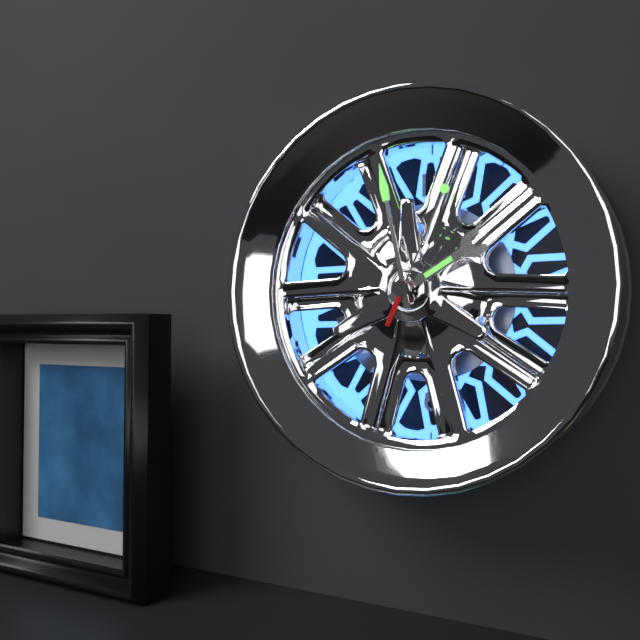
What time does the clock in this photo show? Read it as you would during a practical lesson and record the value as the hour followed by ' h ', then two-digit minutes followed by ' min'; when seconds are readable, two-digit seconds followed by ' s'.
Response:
1 h 58 min 04 s
